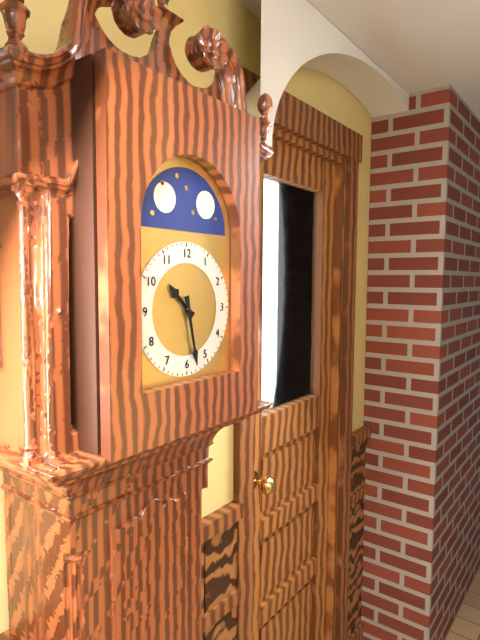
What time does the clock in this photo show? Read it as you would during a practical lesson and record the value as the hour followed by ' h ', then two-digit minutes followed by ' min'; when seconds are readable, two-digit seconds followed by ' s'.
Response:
10 h 28 min
